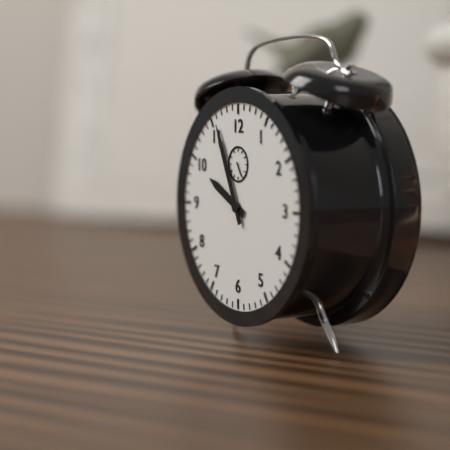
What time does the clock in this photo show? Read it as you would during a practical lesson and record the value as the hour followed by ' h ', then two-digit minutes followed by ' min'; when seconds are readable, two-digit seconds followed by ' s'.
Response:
9 h 56 min
